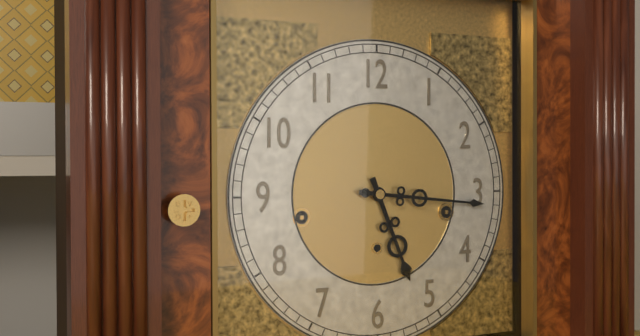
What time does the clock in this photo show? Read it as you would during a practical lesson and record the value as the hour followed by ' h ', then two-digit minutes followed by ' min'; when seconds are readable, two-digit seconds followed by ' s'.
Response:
5 h 16 min
